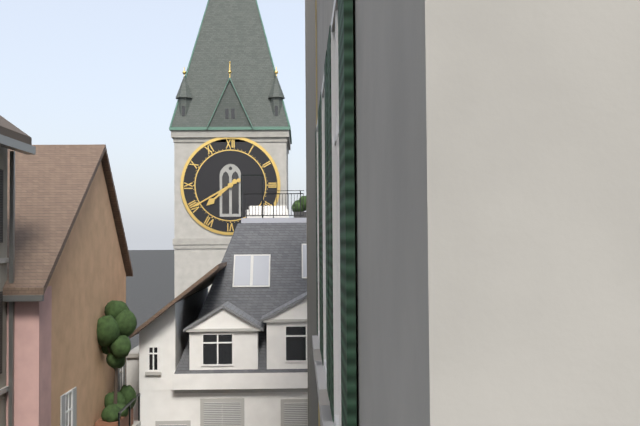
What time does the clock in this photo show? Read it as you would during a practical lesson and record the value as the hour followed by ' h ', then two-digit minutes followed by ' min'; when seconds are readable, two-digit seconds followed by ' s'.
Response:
7 h 40 min
